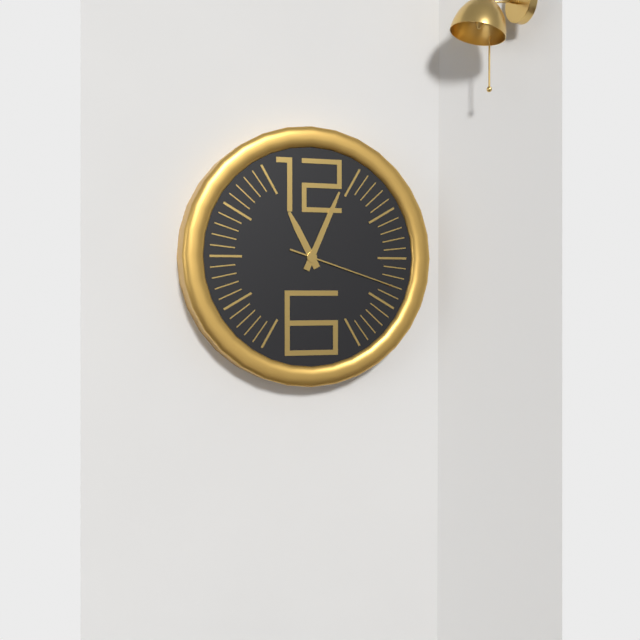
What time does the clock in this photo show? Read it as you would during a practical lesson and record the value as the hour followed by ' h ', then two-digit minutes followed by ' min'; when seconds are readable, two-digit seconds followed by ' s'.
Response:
11 h 04 min 18 s
